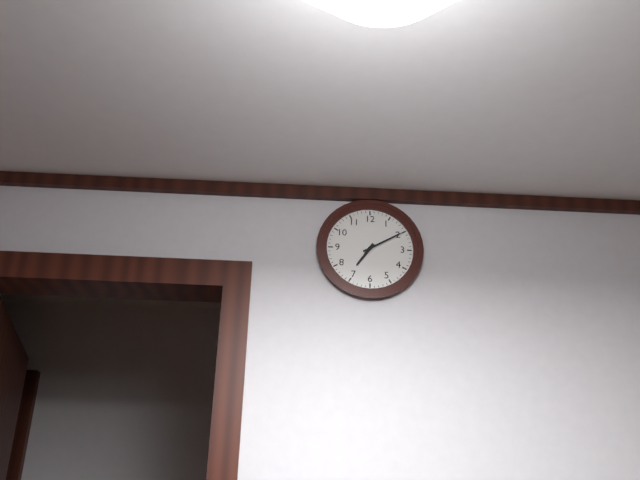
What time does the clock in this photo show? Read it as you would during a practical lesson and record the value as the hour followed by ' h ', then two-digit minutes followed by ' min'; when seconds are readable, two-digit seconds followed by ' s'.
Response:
7 h 10 min
